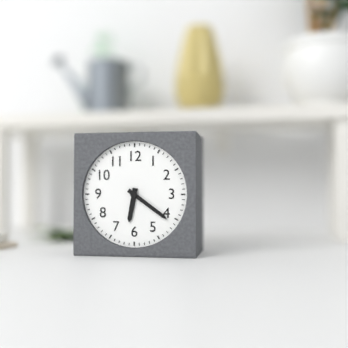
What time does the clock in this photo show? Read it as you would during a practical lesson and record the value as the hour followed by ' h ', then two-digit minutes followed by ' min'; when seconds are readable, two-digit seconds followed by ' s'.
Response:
6 h 21 min
